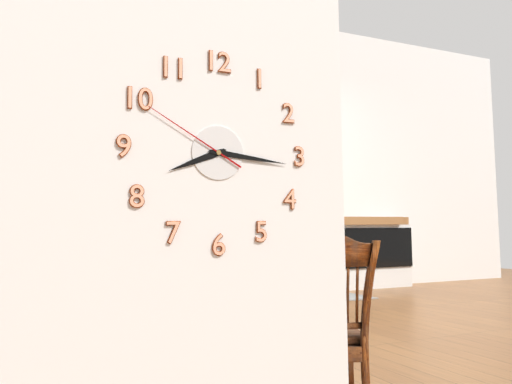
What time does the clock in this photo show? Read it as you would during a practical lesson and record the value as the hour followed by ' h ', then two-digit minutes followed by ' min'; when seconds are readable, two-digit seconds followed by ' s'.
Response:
8 h 16 min 50 s
